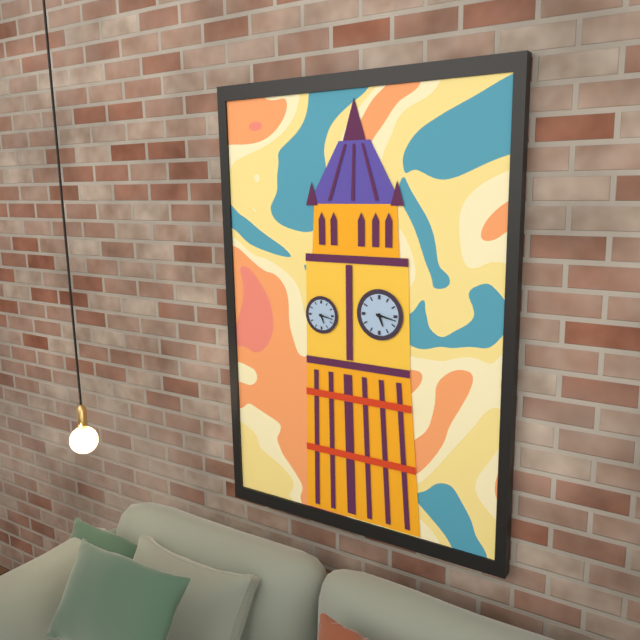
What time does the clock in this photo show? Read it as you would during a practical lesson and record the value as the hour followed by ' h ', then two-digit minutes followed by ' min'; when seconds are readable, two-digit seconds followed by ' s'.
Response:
5 h 17 min
